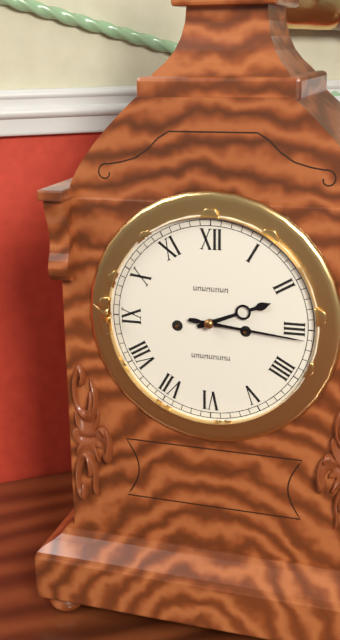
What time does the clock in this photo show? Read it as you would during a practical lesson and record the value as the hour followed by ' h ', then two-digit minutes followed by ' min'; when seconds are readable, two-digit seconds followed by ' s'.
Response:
2 h 16 min
